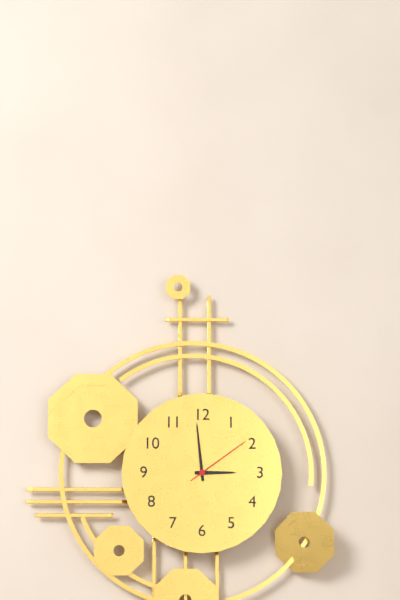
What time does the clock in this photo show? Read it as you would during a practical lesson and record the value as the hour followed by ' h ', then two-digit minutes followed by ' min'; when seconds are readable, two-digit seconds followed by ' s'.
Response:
2 h 59 min 09 s
